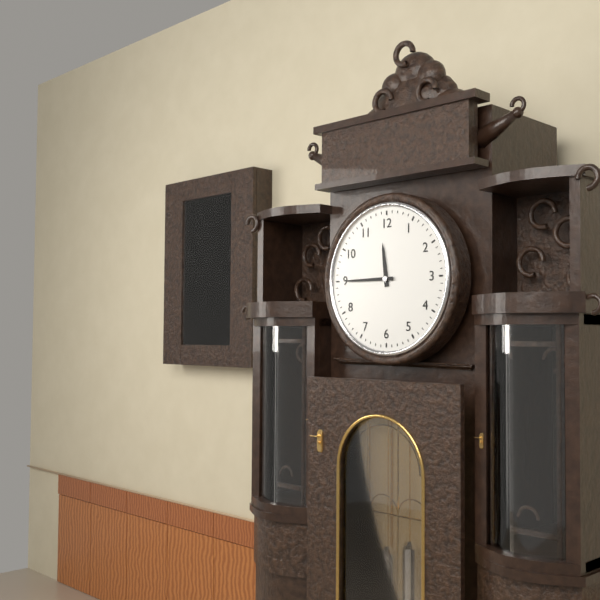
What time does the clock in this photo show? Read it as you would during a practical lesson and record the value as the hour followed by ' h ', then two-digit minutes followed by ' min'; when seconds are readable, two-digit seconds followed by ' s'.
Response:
11 h 45 min
